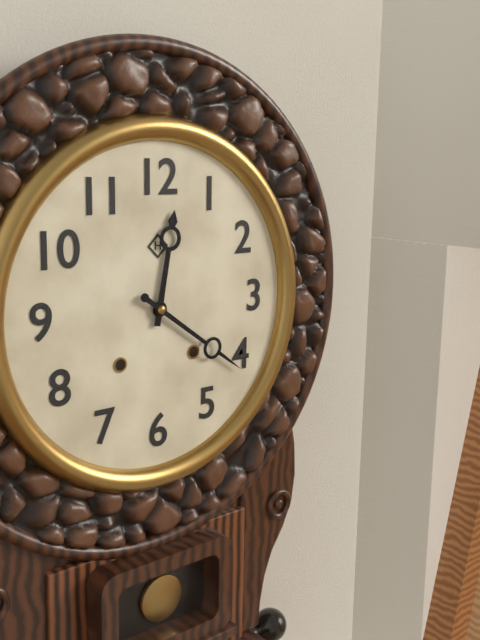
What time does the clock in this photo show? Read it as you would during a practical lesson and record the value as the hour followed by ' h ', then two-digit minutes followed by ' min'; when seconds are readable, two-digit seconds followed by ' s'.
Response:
12 h 21 min
